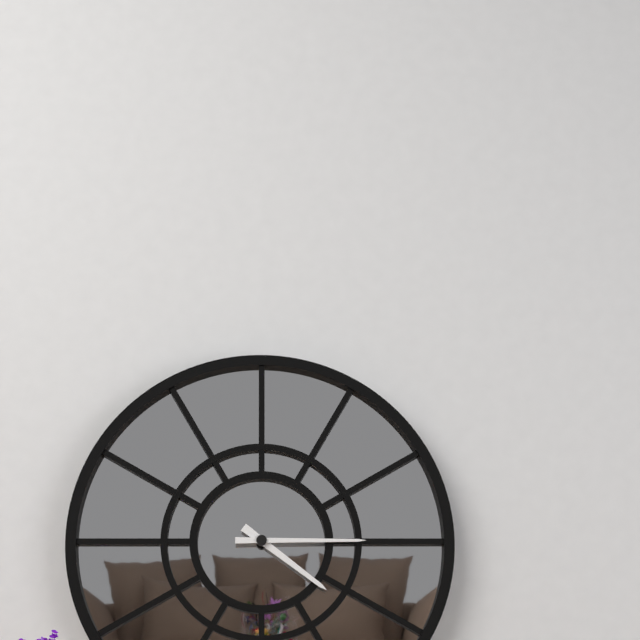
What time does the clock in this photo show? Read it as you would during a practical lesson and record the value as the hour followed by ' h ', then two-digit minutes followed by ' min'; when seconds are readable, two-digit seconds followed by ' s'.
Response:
4 h 15 min
